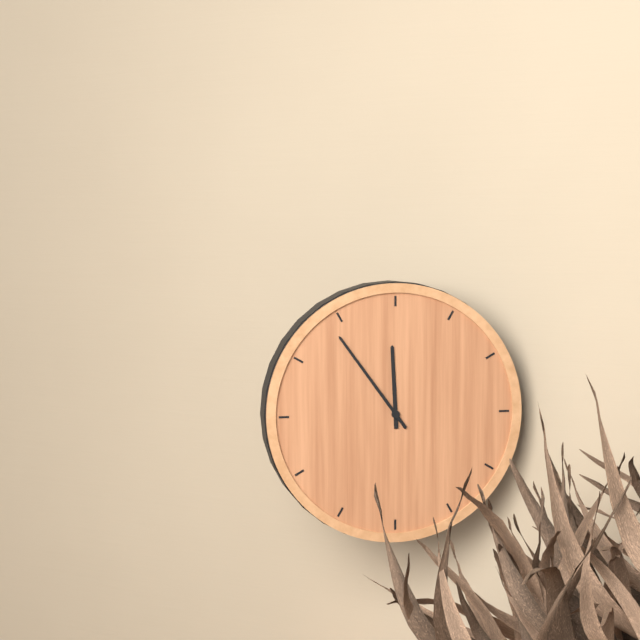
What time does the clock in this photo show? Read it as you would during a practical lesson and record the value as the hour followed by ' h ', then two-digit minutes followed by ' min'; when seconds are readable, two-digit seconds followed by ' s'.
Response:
11 h 54 min
